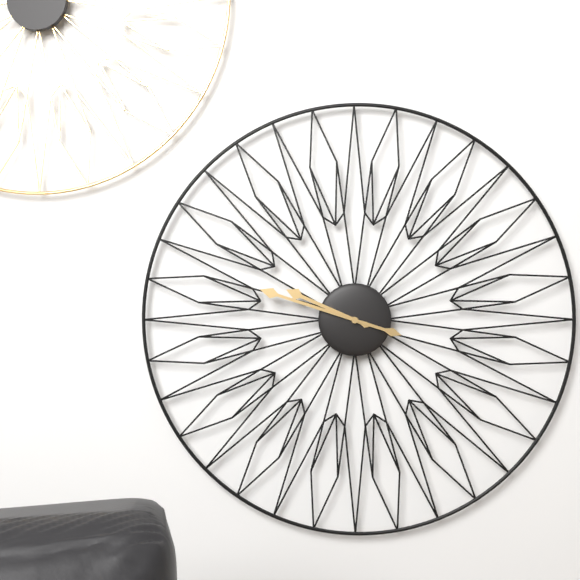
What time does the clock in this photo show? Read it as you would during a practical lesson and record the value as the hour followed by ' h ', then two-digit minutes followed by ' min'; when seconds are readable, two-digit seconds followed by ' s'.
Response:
9 h 48 min
